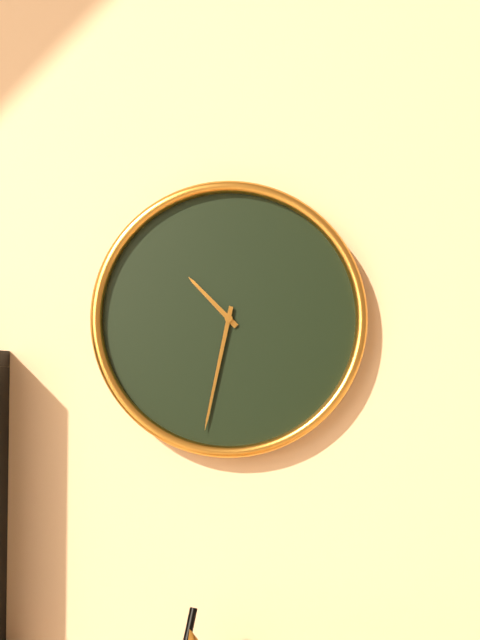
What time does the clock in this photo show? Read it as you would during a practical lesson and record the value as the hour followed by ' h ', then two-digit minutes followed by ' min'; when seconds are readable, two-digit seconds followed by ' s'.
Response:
10 h 32 min
